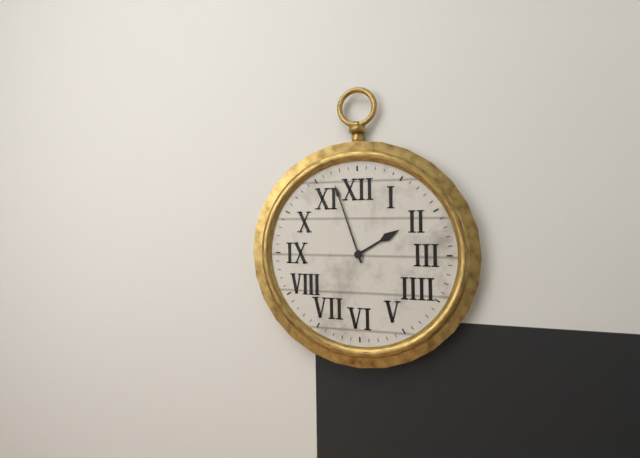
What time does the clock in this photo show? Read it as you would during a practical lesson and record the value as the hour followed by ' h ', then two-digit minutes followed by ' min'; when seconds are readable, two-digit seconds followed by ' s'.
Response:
1 h 57 min
